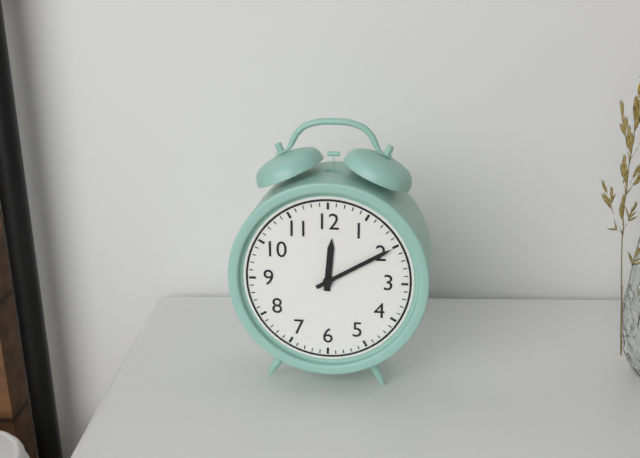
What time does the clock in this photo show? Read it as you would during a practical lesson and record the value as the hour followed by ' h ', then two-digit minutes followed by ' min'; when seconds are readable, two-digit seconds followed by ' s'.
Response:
12 h 10 min
